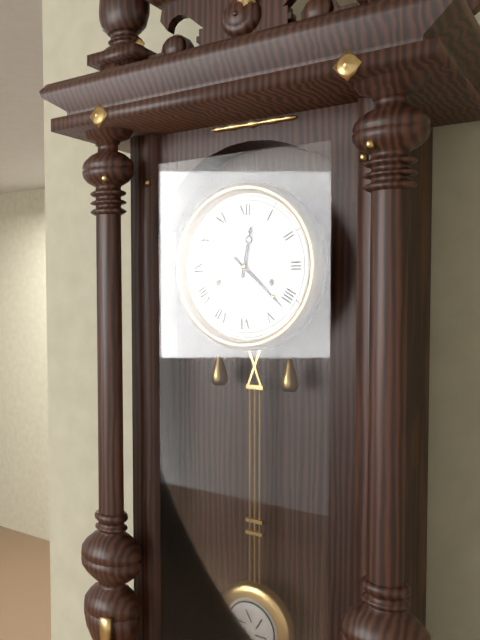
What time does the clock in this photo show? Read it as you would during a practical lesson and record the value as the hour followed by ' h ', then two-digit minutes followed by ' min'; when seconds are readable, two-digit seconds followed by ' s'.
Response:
12 h 22 min
